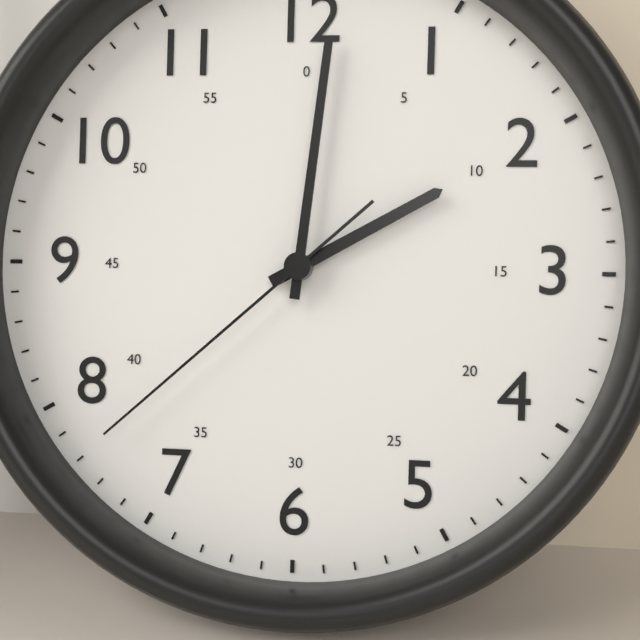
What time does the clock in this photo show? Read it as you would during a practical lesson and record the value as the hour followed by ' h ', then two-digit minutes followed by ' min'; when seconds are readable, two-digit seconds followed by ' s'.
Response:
2 h 01 min 38 s
